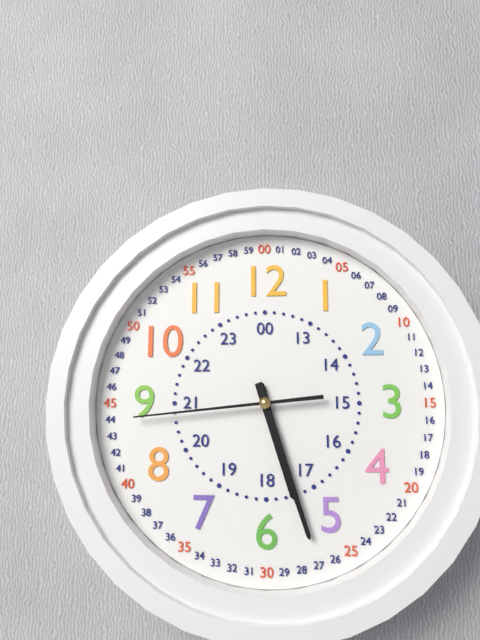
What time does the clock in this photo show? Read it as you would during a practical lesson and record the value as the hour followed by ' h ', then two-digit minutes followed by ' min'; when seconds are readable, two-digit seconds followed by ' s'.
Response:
5 h 27 min 44 s
